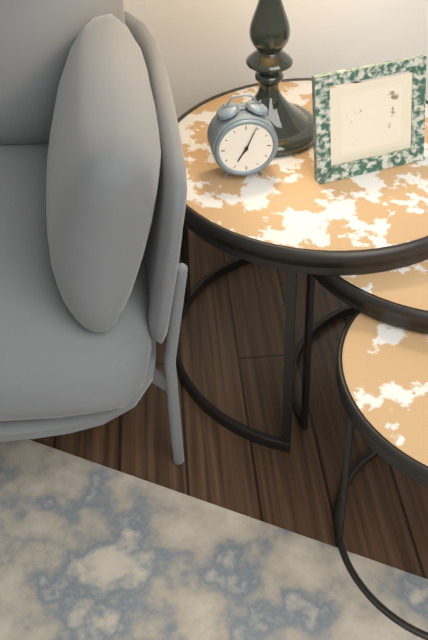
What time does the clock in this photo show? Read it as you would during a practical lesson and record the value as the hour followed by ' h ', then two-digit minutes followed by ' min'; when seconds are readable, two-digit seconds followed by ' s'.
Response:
7 h 04 min
